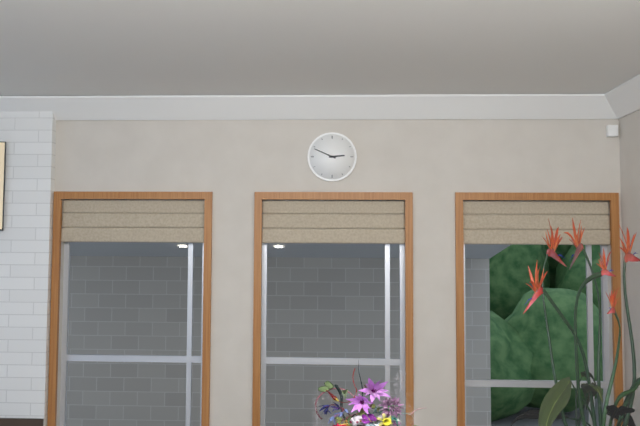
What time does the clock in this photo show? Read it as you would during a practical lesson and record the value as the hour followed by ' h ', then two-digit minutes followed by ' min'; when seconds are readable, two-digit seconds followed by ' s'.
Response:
2 h 49 min
